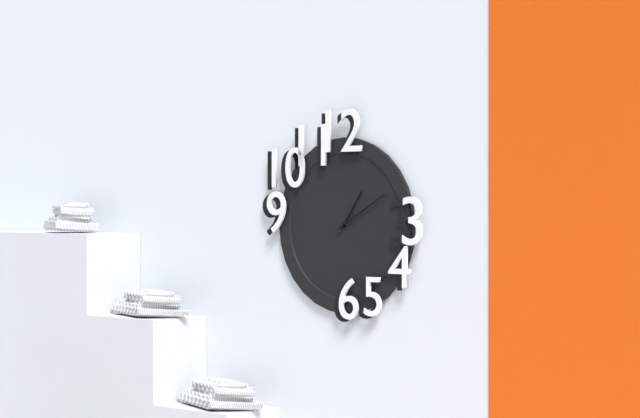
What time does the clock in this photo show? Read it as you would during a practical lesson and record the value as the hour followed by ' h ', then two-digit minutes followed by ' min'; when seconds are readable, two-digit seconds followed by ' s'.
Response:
1 h 10 min
